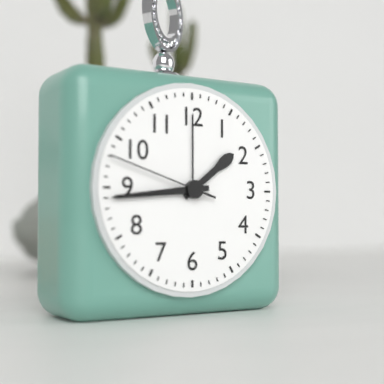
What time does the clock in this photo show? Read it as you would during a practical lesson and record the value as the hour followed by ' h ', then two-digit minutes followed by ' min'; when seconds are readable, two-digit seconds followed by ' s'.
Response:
1 h 44 min 48 s
